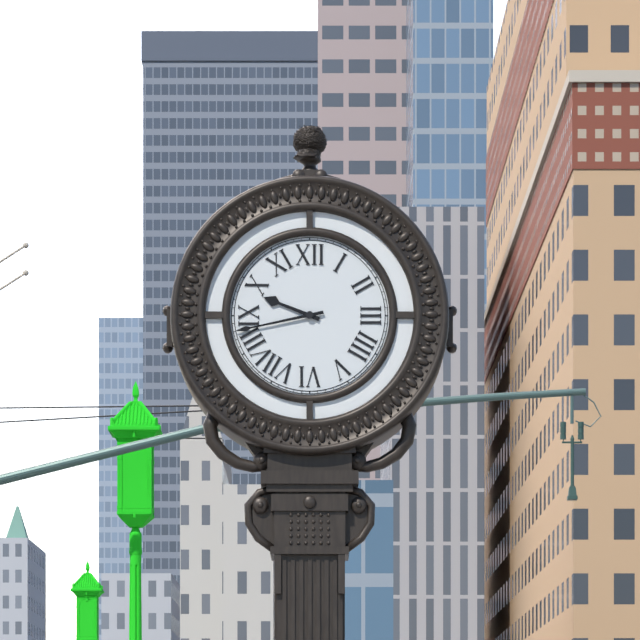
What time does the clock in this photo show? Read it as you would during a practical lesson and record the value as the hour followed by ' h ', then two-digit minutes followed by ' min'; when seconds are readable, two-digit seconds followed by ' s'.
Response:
9 h 43 min
